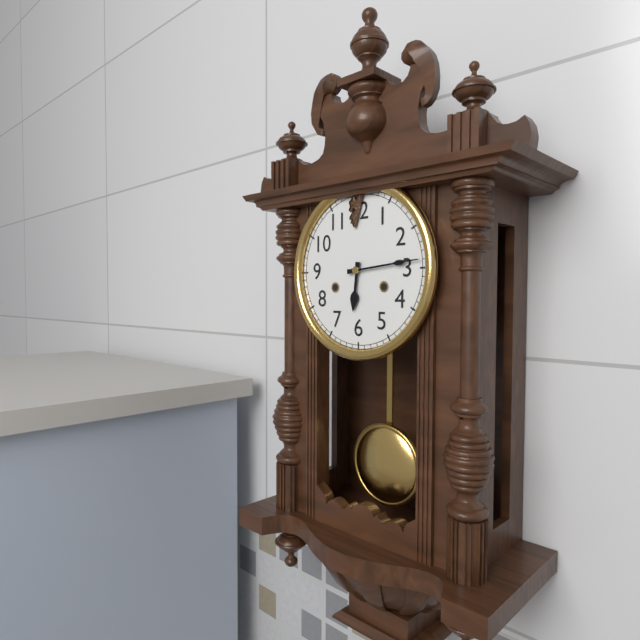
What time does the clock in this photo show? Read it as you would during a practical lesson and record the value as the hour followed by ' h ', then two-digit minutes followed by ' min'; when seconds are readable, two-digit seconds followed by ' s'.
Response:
6 h 14 min
